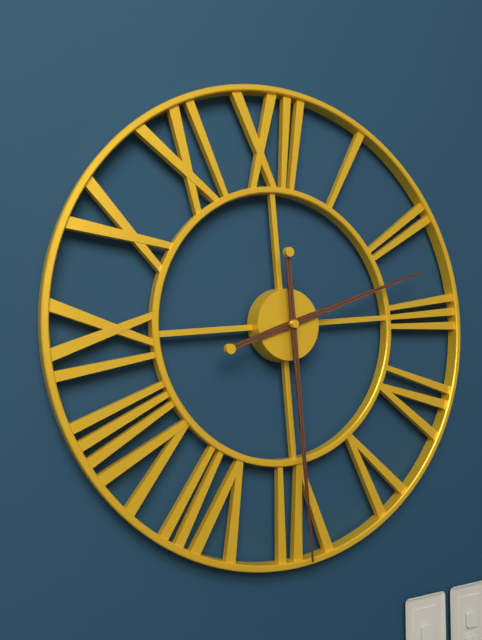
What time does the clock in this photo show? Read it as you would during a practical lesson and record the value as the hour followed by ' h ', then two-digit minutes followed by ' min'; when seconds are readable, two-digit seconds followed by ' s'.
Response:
2 h 30 min
